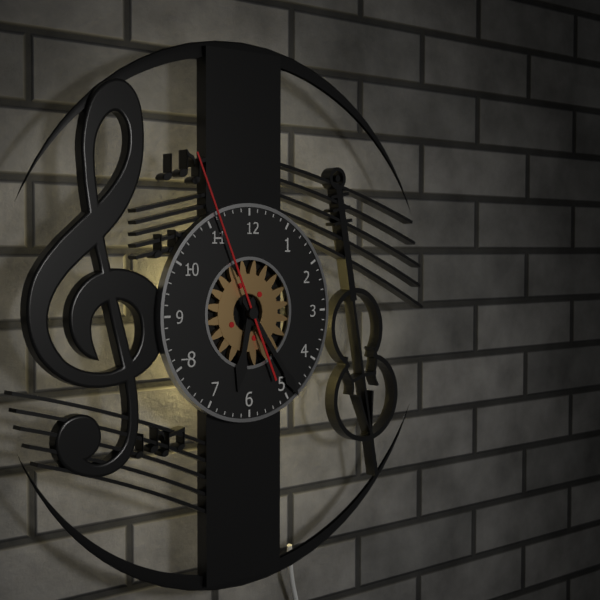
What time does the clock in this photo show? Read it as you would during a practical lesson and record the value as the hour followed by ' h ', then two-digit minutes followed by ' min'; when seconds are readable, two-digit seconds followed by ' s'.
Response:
6 h 24 min 56 s
